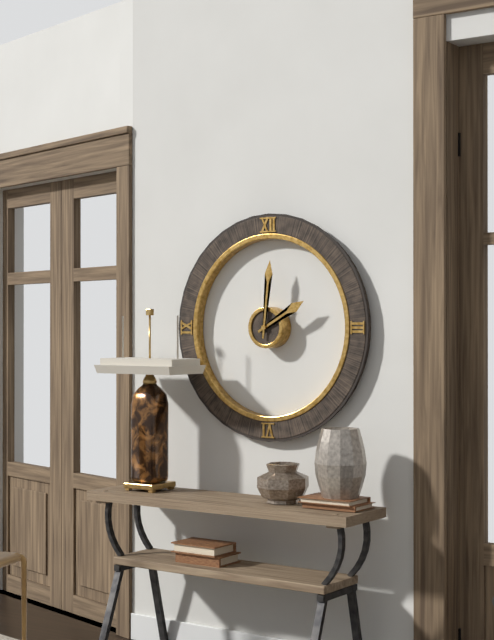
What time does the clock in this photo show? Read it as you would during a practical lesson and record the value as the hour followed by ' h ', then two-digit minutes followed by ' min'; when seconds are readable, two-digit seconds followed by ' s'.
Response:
2 h 01 min
